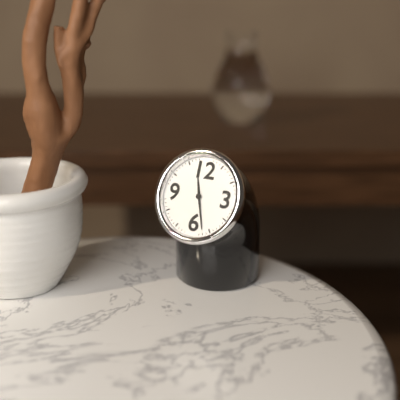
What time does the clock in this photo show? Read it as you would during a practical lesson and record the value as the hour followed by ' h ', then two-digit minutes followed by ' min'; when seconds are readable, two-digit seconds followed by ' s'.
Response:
11 h 27 min
